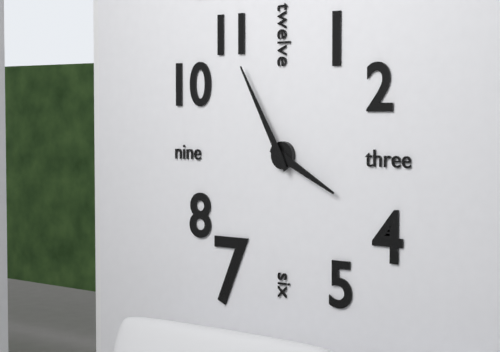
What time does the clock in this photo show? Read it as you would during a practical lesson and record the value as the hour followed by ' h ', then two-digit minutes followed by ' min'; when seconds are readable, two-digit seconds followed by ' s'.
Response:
3 h 55 min
